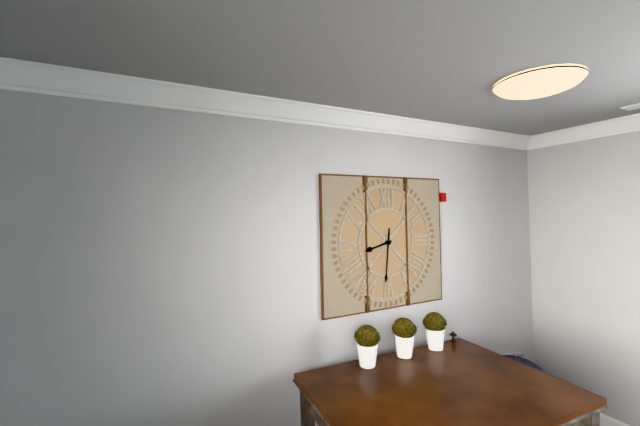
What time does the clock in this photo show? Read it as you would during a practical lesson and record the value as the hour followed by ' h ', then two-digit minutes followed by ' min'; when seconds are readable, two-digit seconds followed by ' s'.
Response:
8 h 31 min
